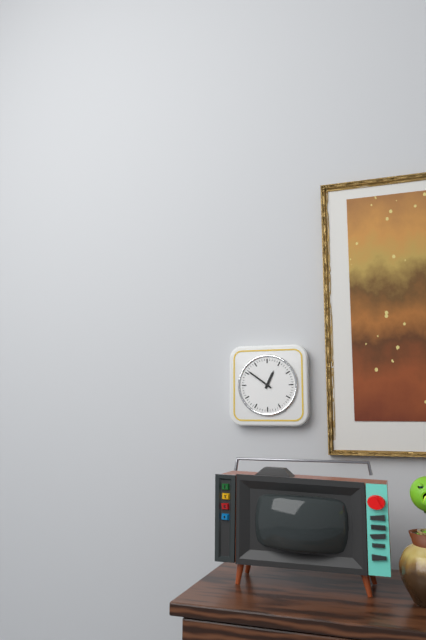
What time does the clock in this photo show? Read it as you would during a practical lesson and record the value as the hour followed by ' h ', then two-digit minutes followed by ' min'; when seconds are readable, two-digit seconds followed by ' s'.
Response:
12 h 51 min
